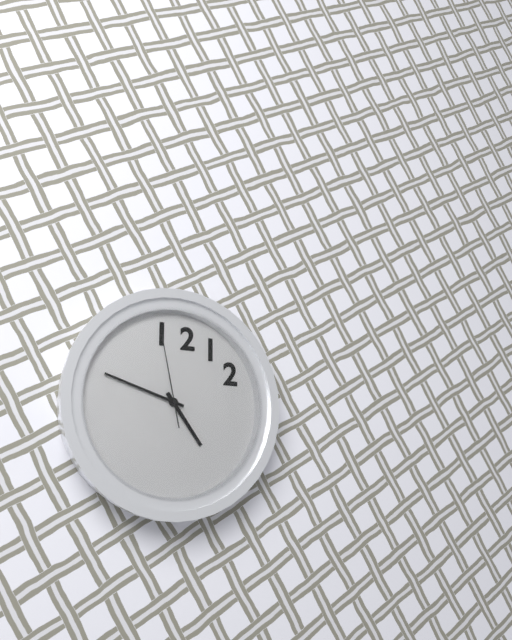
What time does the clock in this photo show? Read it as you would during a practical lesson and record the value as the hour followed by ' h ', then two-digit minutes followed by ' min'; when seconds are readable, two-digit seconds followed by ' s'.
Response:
4 h 48 min 58 s
